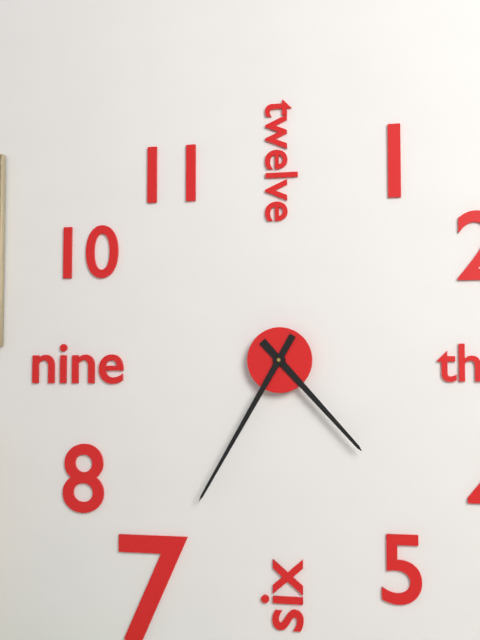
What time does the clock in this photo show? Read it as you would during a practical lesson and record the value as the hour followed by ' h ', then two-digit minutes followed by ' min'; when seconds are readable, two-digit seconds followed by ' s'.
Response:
4 h 35 min
